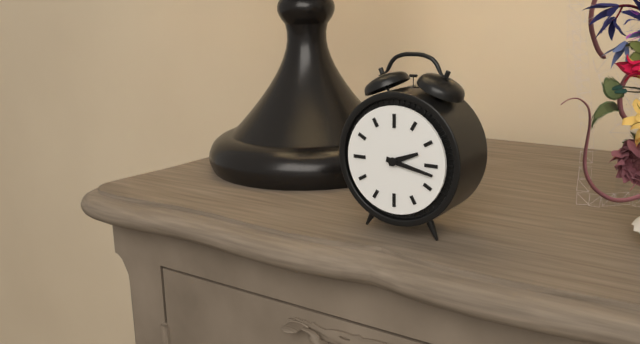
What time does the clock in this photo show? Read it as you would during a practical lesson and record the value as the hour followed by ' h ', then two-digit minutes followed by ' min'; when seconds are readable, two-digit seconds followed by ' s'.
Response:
2 h 17 min
